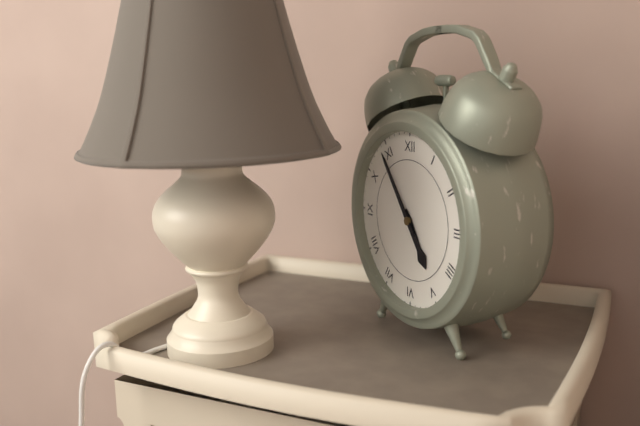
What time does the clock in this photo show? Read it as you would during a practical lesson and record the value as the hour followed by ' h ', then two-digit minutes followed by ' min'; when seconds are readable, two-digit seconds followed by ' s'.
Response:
4 h 54 min
